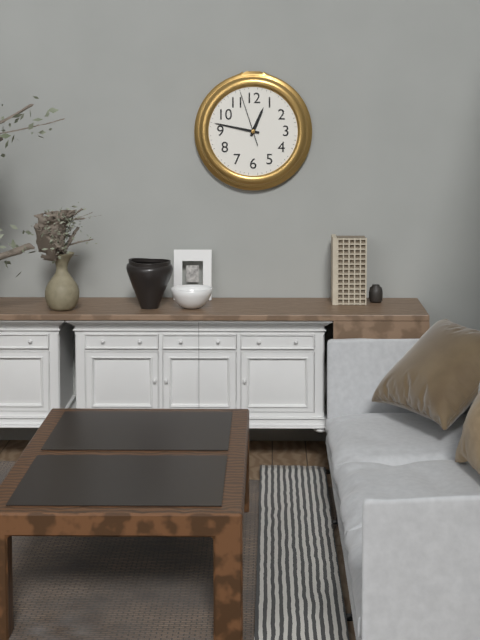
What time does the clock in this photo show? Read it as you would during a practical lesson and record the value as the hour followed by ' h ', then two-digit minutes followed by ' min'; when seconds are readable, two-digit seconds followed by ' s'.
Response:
12 h 47 min 57 s
